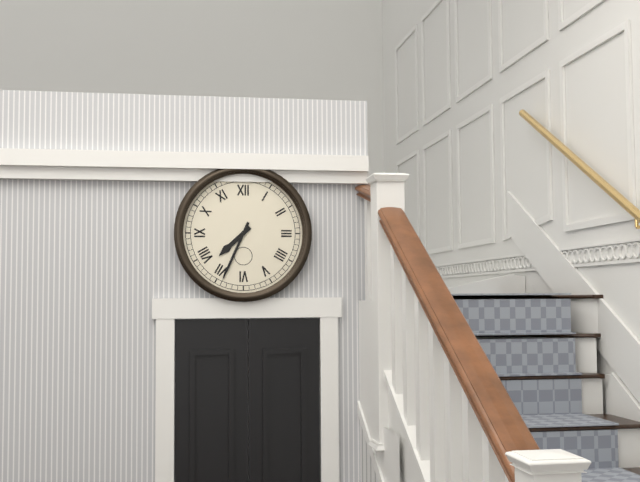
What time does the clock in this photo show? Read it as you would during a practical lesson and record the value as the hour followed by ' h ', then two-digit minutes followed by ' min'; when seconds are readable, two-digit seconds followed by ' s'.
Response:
7 h 34 min
